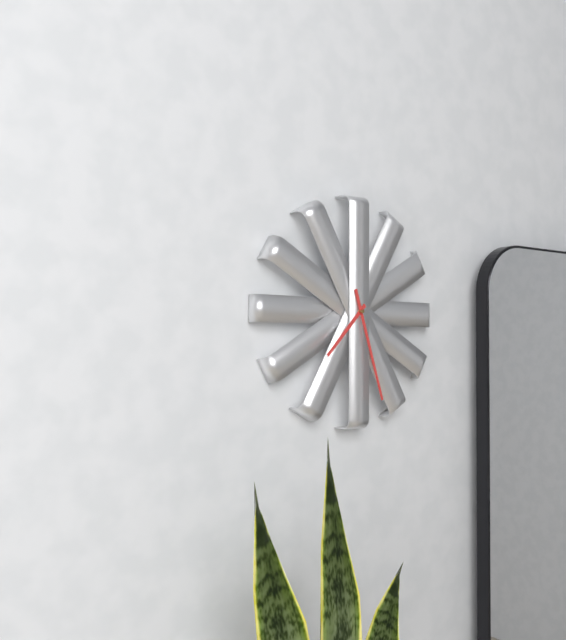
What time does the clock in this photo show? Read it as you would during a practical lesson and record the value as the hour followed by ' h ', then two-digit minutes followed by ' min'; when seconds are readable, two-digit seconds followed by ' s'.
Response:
7 h 27 min
